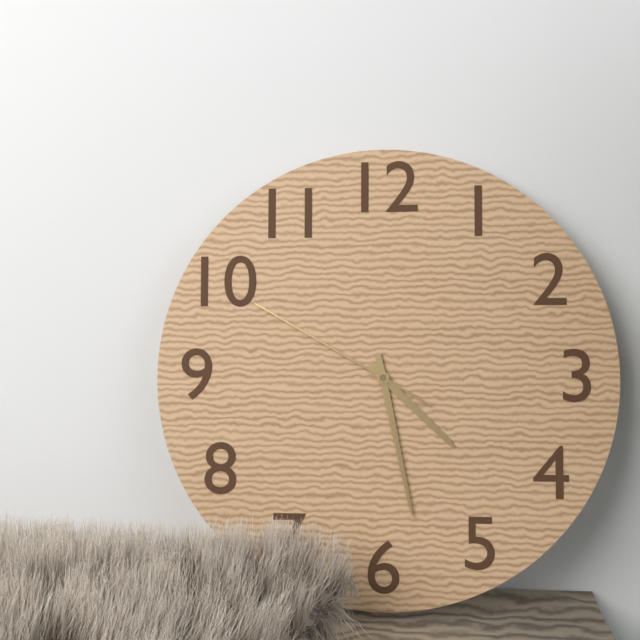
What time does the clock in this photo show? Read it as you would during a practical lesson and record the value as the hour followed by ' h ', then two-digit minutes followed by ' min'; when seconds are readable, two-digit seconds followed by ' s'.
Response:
4 h 28 min 50 s
